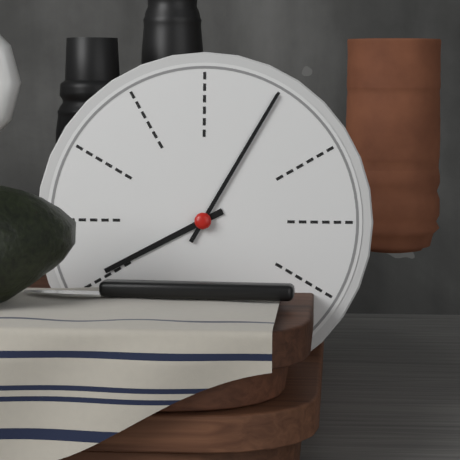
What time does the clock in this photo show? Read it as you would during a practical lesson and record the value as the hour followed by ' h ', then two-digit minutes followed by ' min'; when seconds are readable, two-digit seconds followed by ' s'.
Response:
8 h 05 min
